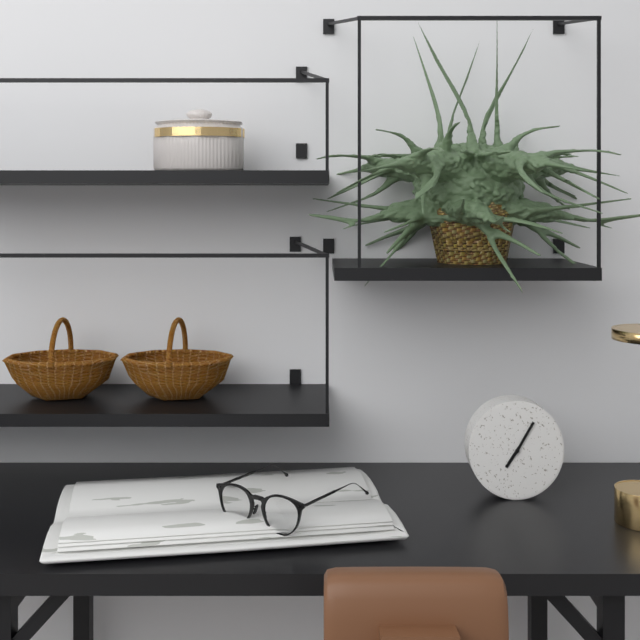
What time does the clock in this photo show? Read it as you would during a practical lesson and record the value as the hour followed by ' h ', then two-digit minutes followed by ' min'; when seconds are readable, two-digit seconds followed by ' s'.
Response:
7 h 05 min
